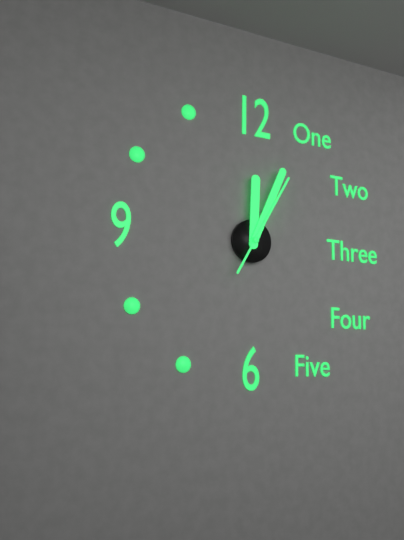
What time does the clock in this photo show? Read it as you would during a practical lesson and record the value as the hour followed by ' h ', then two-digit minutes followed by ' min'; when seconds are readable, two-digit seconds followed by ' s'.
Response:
12 h 04 min 05 s
